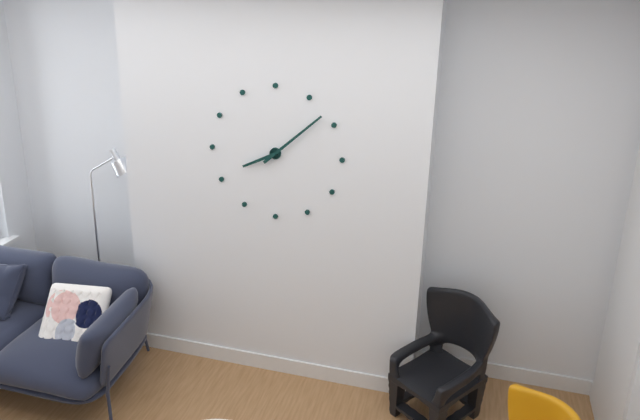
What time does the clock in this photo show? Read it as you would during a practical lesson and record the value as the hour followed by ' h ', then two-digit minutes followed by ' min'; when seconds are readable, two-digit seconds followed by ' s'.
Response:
8 h 08 min
